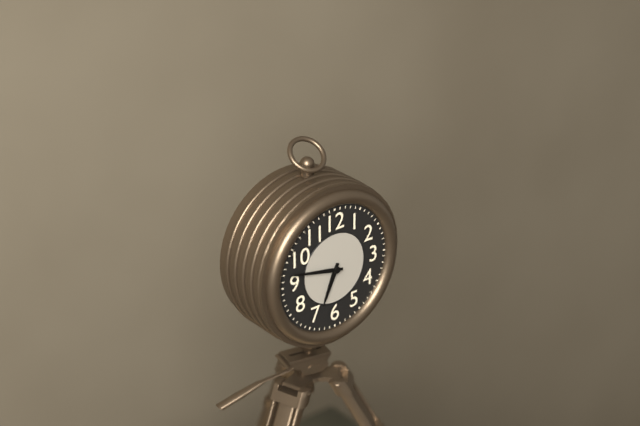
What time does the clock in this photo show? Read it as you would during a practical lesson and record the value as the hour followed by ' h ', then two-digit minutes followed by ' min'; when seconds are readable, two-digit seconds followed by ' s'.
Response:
6 h 47 min
